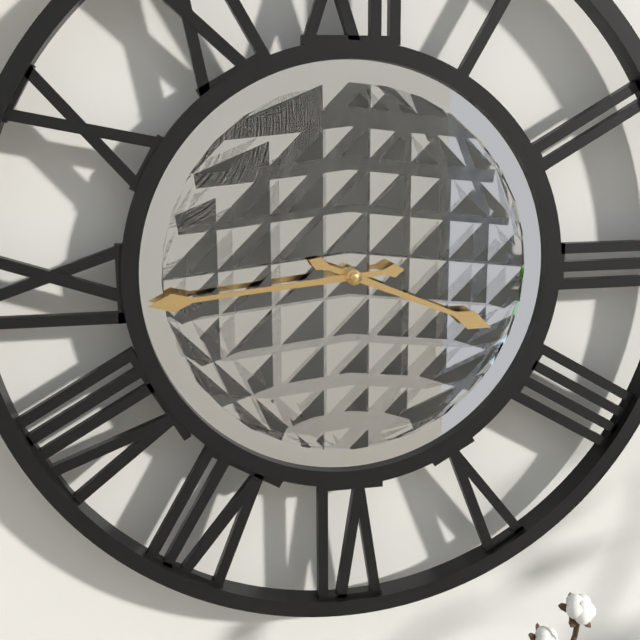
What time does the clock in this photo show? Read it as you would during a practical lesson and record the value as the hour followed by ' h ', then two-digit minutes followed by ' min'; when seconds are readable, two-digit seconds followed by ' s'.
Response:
3 h 44 min
